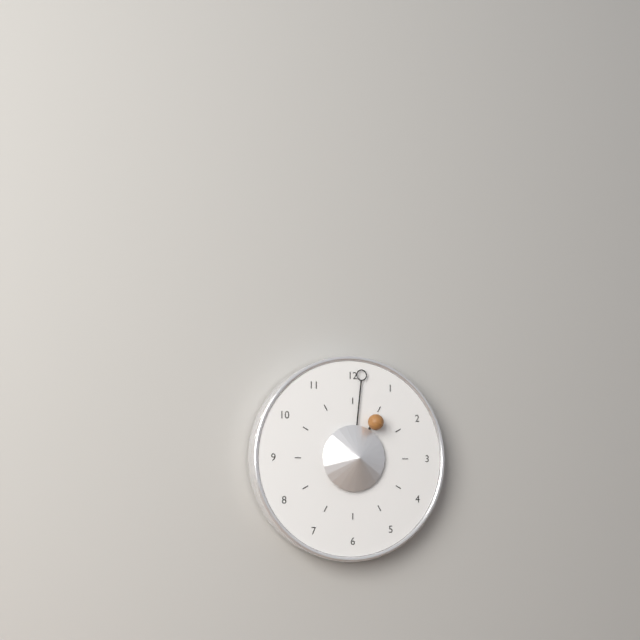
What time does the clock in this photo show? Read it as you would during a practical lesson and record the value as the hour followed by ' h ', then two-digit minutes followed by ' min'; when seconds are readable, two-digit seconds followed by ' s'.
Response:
1 h 01 min
